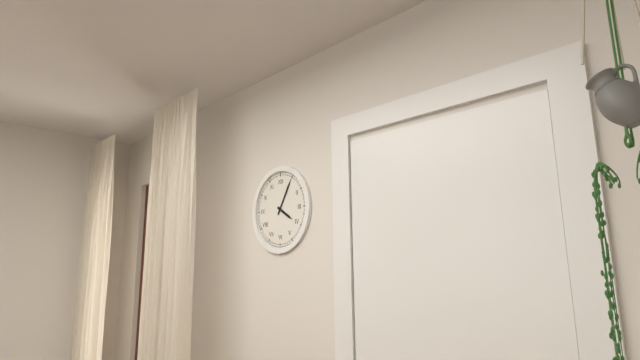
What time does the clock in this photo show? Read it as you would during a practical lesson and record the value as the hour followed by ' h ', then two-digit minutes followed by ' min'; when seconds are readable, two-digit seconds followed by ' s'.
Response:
4 h 05 min
